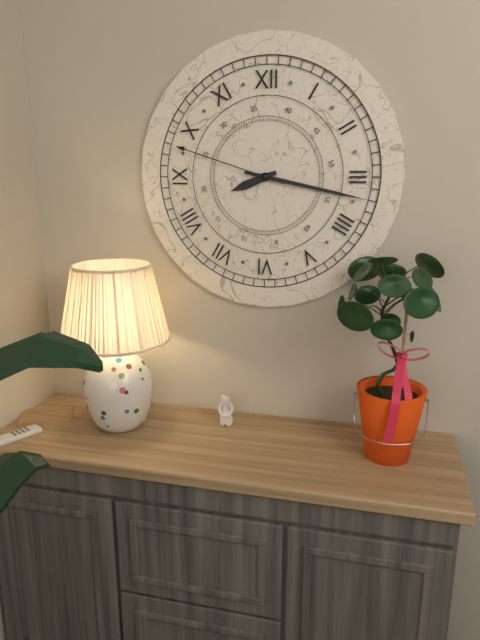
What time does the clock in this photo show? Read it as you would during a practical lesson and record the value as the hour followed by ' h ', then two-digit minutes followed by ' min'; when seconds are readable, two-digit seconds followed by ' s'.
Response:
8 h 17 min 48 s
